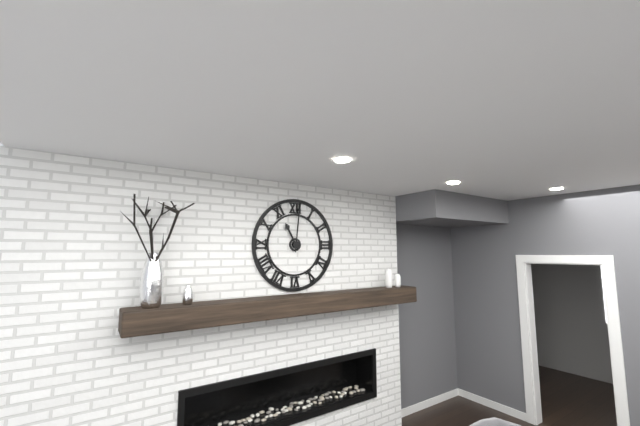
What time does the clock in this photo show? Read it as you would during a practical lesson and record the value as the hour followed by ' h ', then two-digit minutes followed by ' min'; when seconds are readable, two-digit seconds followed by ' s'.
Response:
11 h 01 min
